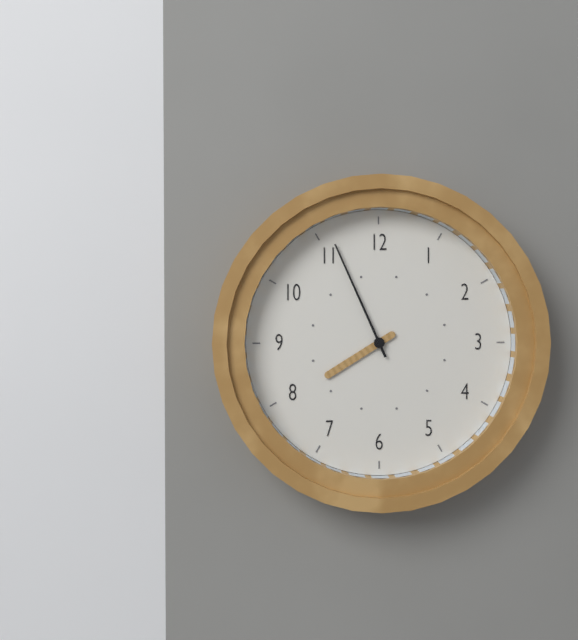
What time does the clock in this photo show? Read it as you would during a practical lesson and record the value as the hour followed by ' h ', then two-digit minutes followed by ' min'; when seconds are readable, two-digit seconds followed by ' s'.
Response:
7 h 56 min
